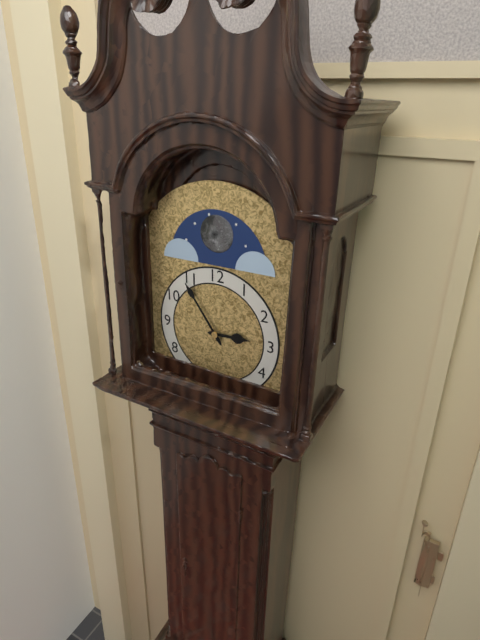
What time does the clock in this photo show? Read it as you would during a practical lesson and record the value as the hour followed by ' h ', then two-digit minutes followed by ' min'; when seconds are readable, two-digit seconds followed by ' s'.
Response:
2 h 54 min
